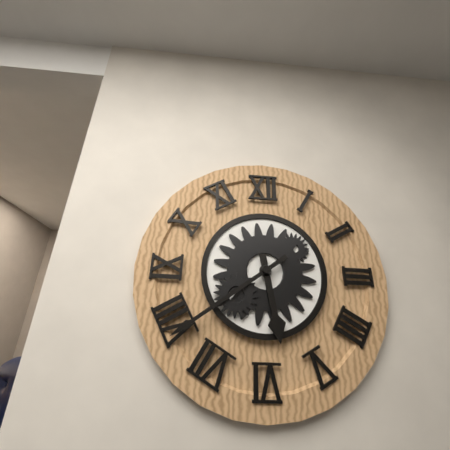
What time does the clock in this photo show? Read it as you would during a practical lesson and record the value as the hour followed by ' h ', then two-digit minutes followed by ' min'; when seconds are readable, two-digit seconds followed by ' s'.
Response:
5 h 39 min
